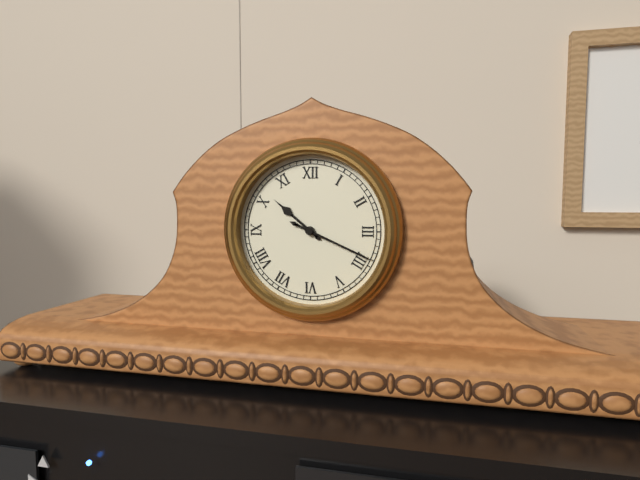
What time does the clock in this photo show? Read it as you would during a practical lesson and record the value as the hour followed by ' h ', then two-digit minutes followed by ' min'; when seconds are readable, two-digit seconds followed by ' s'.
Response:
10 h 19 min
